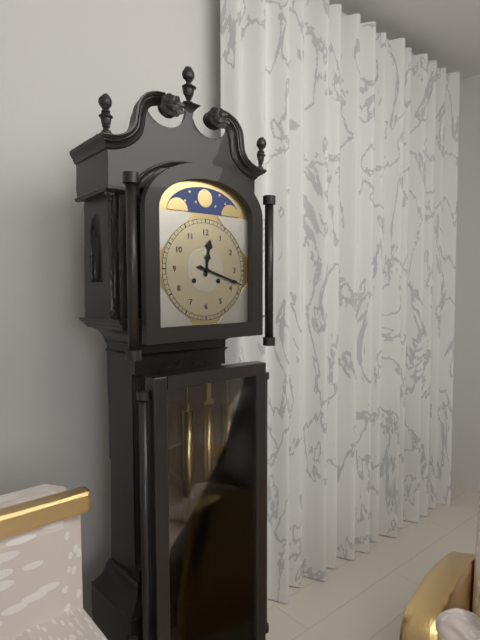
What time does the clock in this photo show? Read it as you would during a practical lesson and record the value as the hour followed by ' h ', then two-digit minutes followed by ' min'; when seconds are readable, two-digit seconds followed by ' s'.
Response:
12 h 18 min
